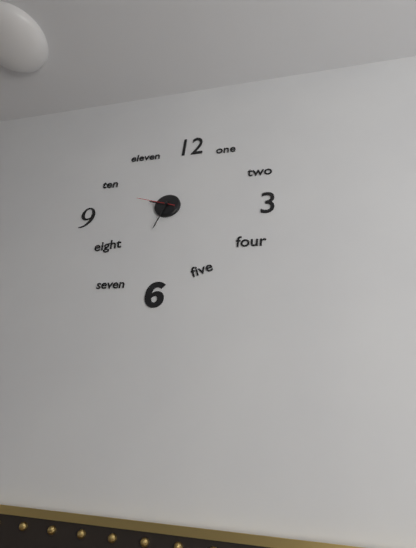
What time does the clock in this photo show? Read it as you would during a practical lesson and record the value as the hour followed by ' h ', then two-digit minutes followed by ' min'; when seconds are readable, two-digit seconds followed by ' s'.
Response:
9 h 33 min
